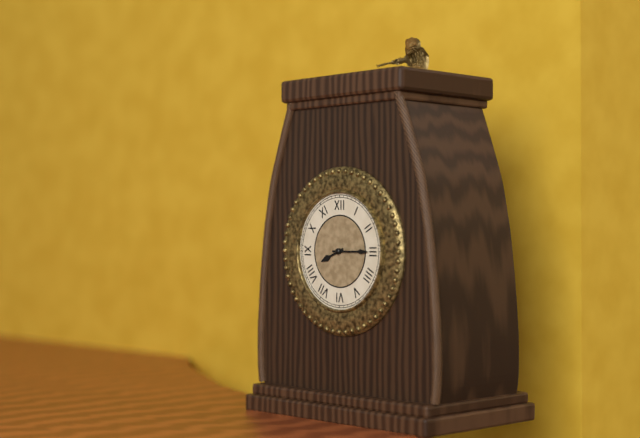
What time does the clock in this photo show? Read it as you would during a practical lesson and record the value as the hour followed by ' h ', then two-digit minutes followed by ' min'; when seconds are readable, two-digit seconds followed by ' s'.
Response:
8 h 15 min
